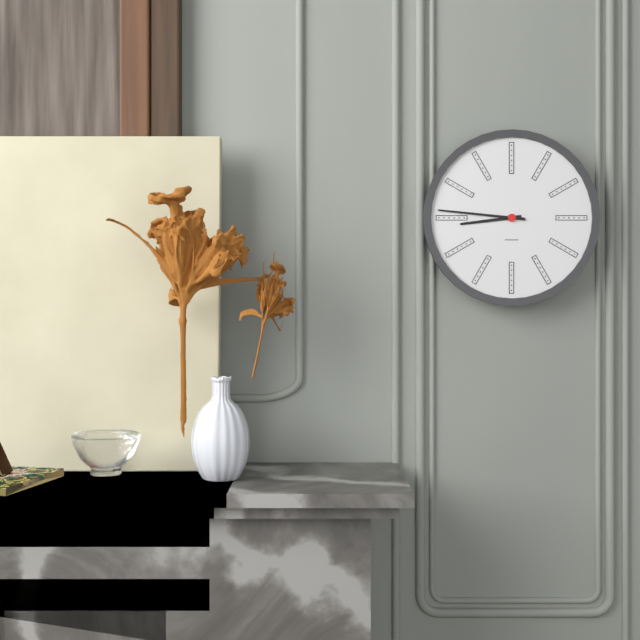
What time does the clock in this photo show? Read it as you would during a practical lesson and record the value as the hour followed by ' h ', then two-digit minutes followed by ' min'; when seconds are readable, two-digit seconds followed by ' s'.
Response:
8 h 46 min
